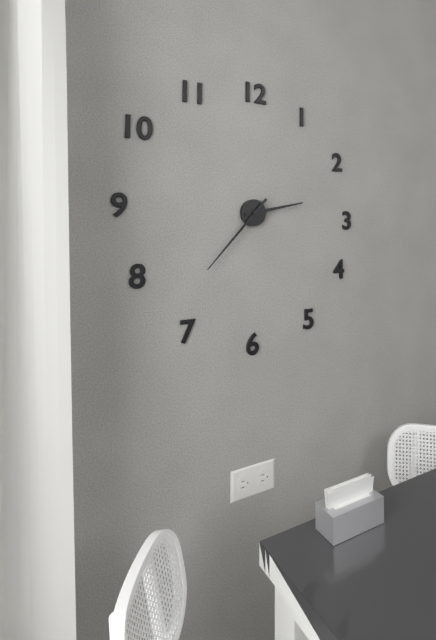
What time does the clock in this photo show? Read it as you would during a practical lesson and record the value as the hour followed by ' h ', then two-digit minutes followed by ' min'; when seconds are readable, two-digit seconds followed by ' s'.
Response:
2 h 37 min
